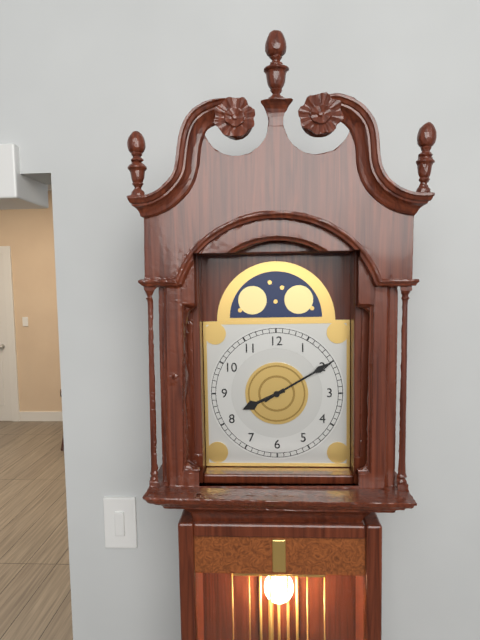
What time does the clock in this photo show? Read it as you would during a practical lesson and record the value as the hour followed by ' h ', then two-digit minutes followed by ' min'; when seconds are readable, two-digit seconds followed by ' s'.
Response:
8 h 10 min
